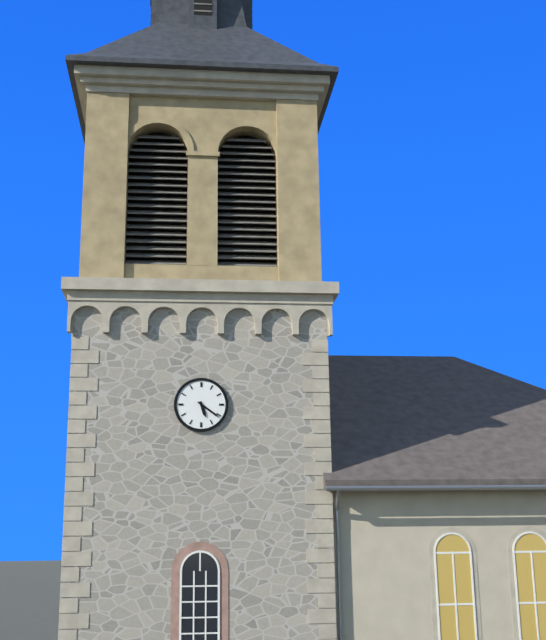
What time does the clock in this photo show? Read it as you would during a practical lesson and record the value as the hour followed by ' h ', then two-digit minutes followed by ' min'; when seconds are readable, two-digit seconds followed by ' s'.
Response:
5 h 21 min
